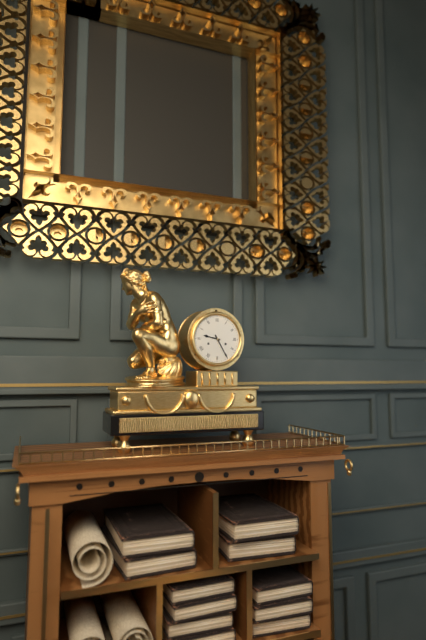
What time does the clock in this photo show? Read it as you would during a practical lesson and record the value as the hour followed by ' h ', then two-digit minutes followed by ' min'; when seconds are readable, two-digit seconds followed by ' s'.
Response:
9 h 25 min
